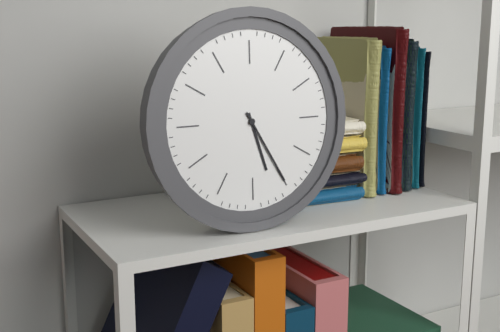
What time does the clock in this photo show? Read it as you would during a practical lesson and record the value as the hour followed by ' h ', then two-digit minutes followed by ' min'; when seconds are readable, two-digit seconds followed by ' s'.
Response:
5 h 25 min
